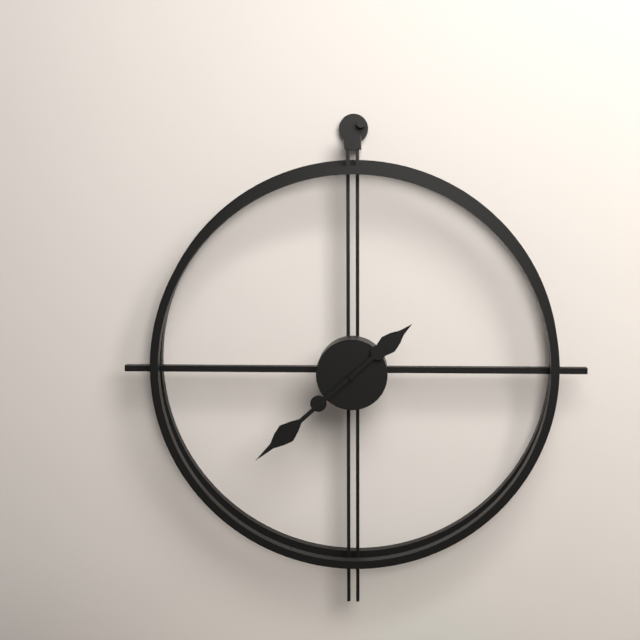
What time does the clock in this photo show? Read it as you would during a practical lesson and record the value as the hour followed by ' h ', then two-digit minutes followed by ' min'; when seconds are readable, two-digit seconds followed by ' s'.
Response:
1 h 38 min
